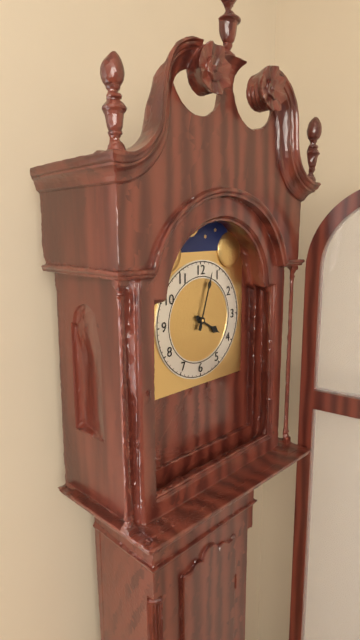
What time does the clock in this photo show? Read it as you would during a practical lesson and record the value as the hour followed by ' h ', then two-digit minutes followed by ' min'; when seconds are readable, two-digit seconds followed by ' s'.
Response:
4 h 03 min
